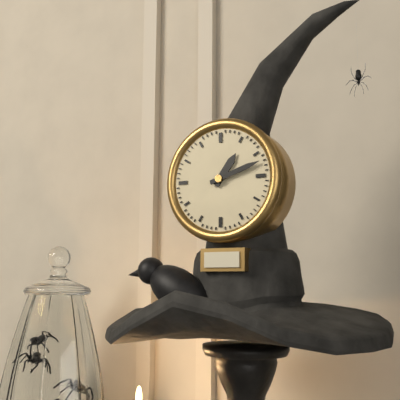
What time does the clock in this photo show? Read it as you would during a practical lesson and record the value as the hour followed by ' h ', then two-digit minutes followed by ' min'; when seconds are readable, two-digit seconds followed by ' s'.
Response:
1 h 12 min
